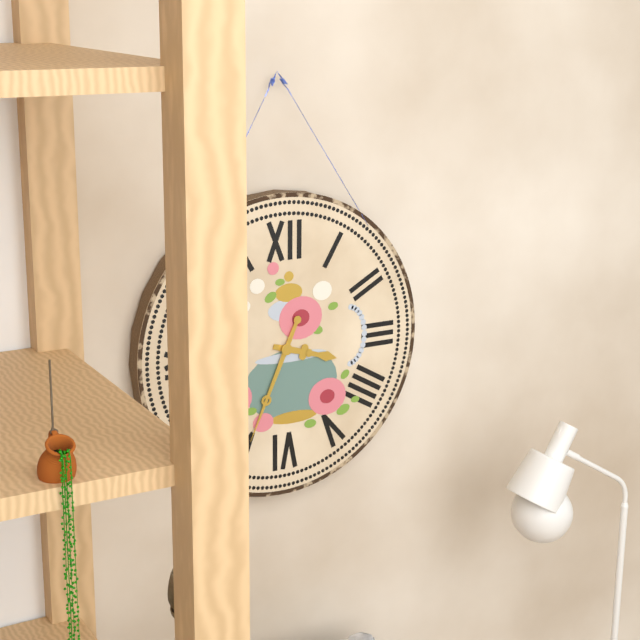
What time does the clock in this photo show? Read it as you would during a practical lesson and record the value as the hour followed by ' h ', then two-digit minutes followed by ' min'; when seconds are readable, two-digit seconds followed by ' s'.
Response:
3 h 34 min
